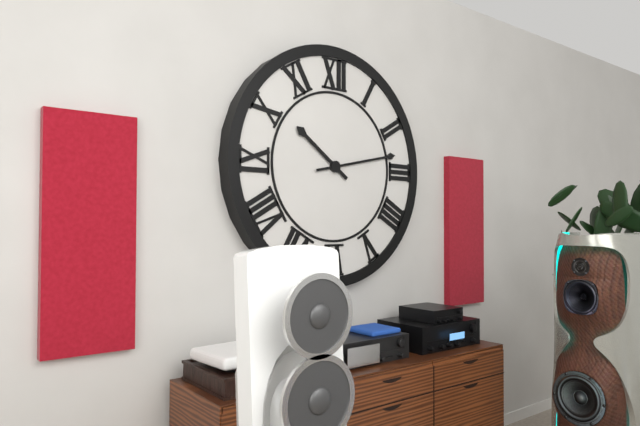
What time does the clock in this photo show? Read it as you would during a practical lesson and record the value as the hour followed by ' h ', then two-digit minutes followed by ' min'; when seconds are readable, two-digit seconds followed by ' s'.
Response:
10 h 13 min
